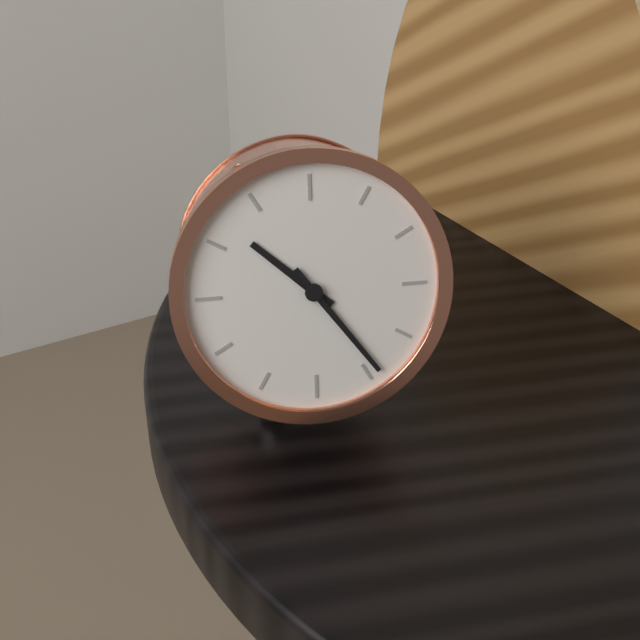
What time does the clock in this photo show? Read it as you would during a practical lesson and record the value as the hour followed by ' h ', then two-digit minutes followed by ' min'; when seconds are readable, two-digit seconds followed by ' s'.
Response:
10 h 24 min
